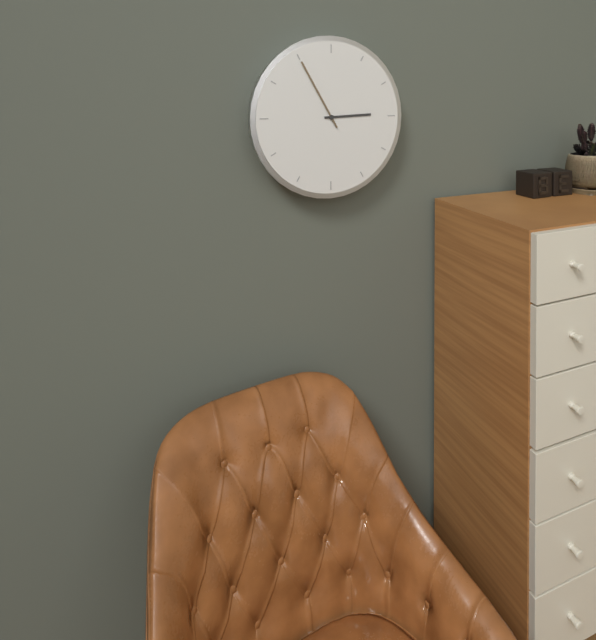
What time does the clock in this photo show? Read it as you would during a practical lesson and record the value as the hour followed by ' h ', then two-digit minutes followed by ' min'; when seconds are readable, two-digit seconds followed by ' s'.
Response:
2 h 55 min
